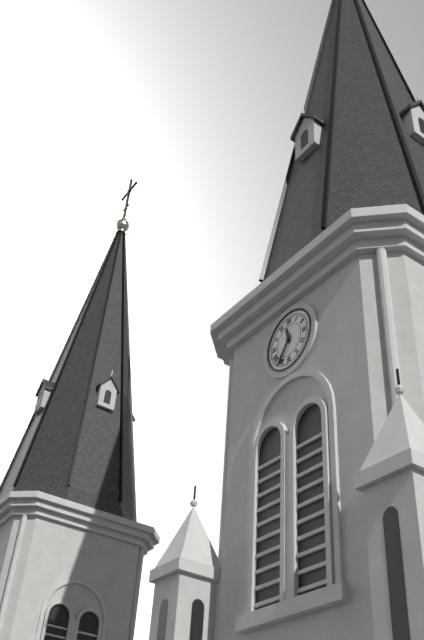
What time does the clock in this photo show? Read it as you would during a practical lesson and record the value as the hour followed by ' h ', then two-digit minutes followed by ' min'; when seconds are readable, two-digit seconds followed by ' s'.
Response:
11 h 36 min
